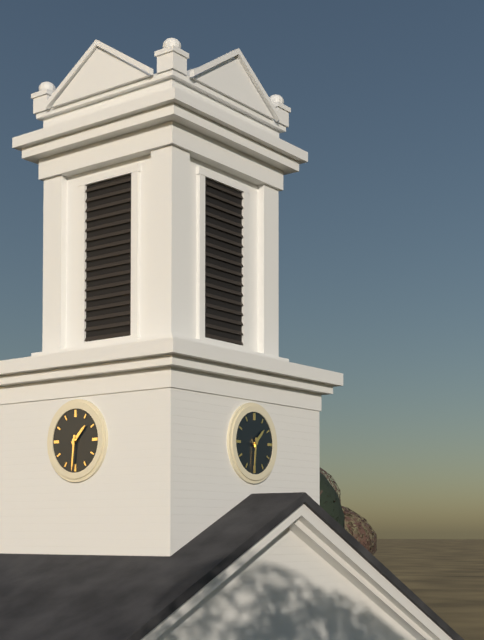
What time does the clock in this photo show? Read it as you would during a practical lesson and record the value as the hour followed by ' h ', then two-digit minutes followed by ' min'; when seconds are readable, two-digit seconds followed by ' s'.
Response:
1 h 31 min
